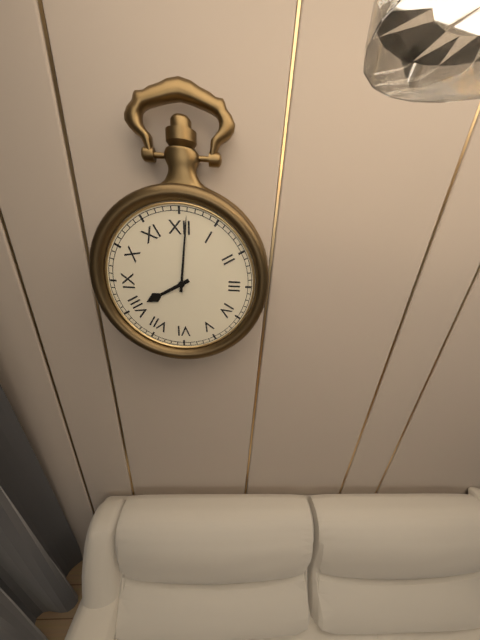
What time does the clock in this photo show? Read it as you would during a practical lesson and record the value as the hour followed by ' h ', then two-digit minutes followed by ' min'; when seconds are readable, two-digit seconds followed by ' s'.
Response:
8 h 01 min
